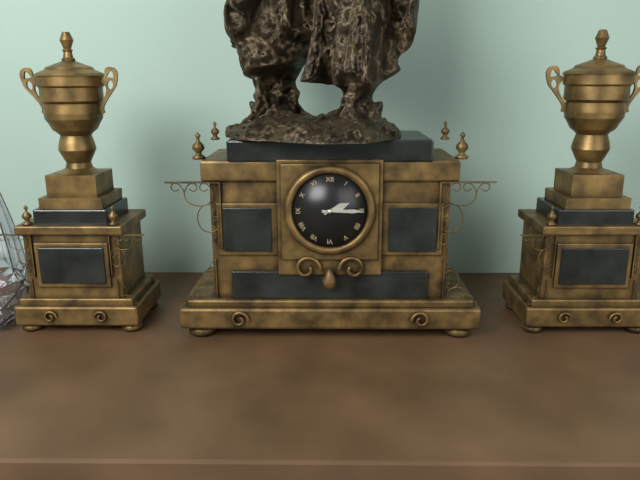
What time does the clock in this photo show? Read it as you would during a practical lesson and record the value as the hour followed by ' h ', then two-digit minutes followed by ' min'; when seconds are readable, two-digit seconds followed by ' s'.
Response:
2 h 15 min
